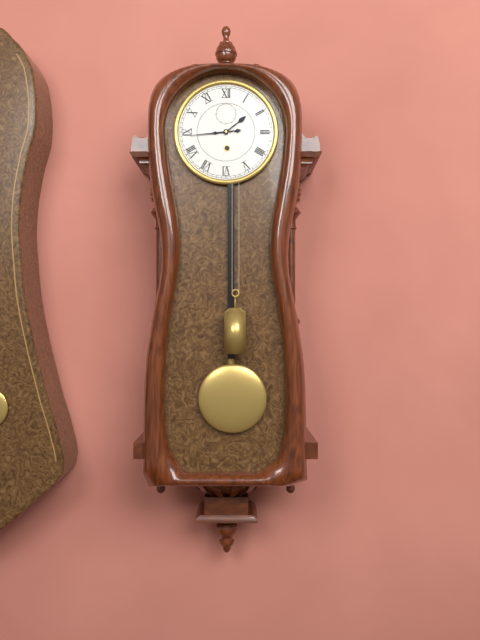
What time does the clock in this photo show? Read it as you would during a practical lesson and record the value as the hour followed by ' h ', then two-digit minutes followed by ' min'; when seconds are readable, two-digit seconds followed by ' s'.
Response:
1 h 44 min
